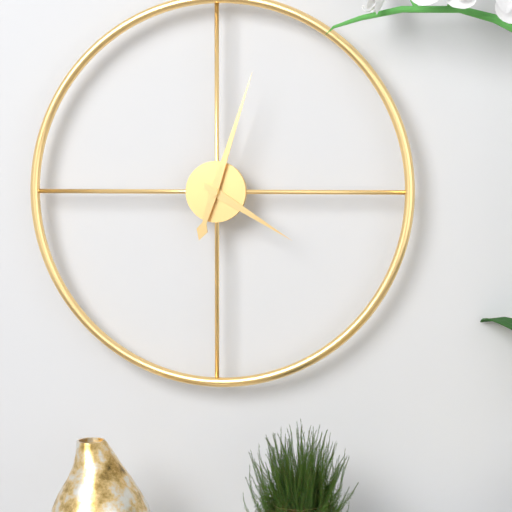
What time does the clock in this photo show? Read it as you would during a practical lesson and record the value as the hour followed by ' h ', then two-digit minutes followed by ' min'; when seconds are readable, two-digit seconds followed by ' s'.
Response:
4 h 03 min
